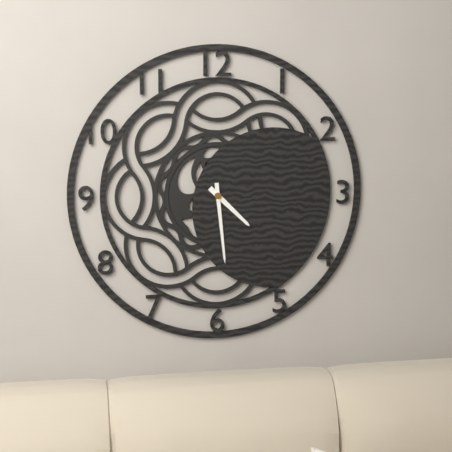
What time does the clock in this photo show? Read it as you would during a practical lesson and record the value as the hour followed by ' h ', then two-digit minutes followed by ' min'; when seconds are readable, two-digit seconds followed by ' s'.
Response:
4 h 29 min
